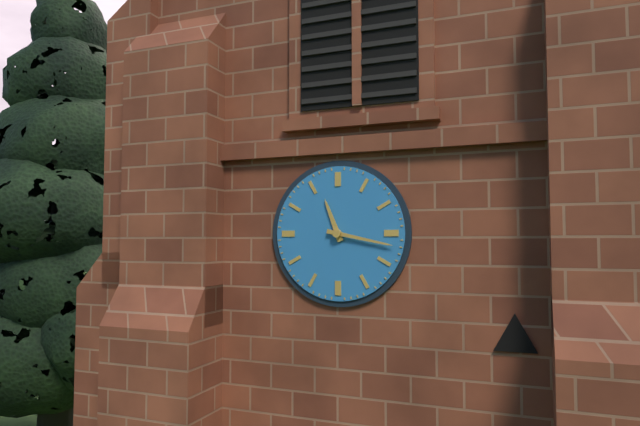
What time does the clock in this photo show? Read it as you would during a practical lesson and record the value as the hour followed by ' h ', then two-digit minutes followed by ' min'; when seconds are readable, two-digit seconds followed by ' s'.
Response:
11 h 17 min
